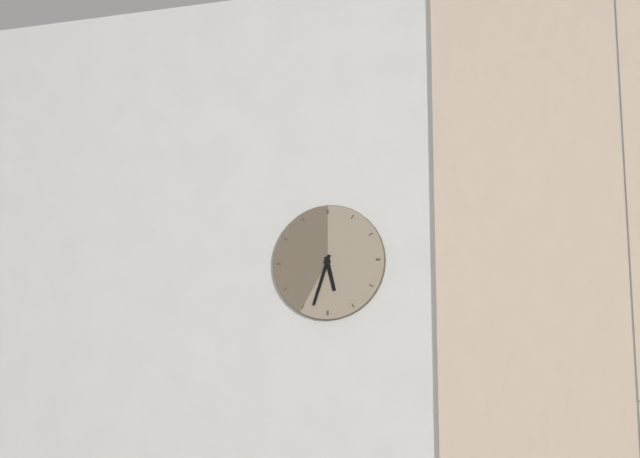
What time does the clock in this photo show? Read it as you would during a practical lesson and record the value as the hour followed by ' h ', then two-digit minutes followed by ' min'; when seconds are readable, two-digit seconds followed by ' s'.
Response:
5 h 33 min
